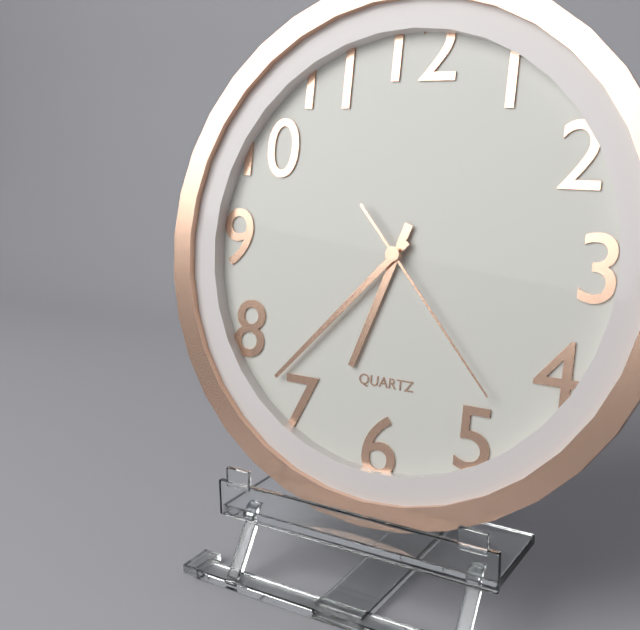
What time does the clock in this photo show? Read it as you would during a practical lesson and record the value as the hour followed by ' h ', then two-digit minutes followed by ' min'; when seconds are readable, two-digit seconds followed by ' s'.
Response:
6 h 37 min 23 s
